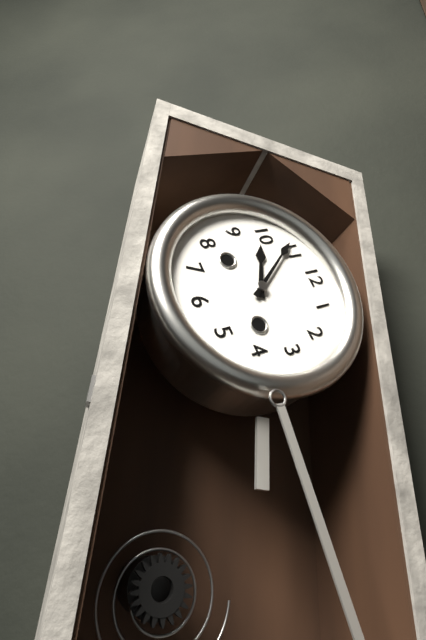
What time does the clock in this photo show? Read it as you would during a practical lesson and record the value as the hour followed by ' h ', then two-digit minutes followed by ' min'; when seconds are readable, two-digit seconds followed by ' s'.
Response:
9 h 54 min
